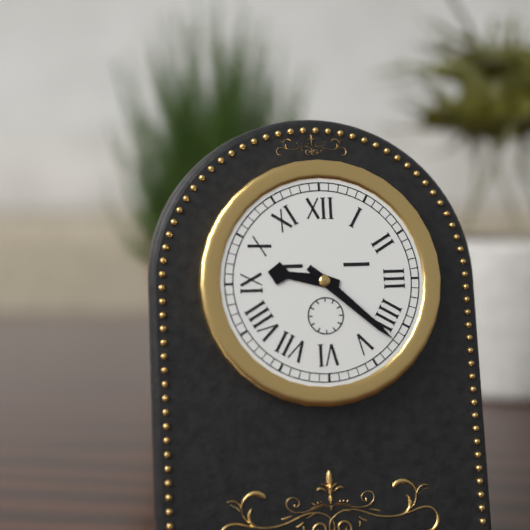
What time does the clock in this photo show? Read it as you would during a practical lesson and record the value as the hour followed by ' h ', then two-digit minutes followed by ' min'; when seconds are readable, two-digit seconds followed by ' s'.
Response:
9 h 22 min
